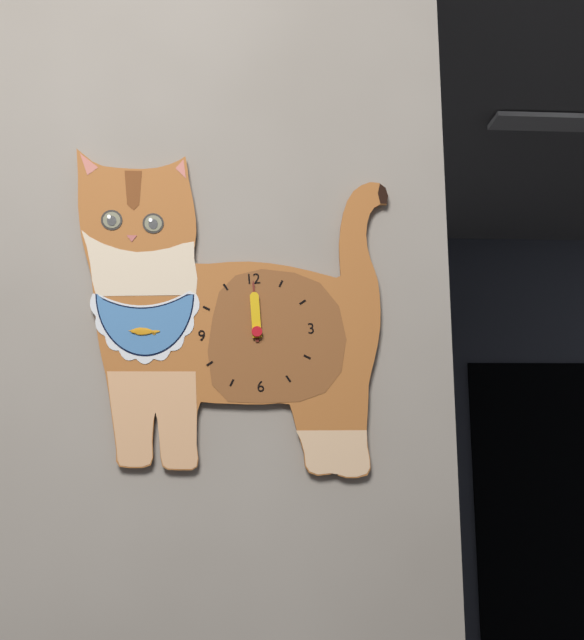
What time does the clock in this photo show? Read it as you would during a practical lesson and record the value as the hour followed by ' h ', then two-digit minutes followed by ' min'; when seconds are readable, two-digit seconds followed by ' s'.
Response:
12 h 00 min
